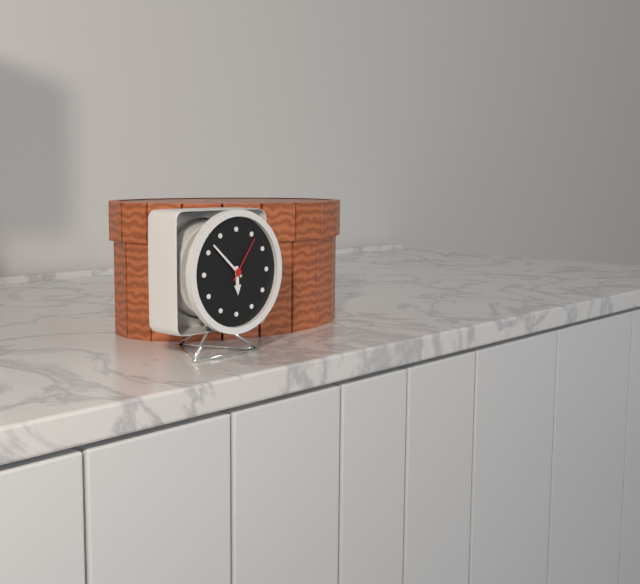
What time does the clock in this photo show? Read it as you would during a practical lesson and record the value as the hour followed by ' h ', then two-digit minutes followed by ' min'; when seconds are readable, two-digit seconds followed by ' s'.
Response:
5 h 52 min
